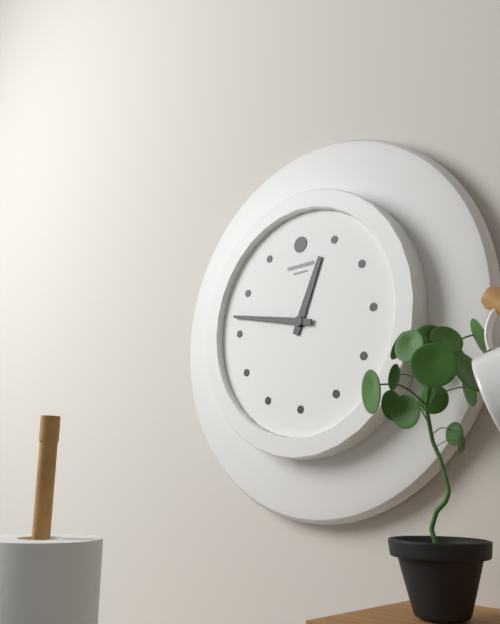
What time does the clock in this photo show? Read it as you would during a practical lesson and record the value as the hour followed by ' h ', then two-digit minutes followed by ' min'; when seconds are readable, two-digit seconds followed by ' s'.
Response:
12 h 47 min
